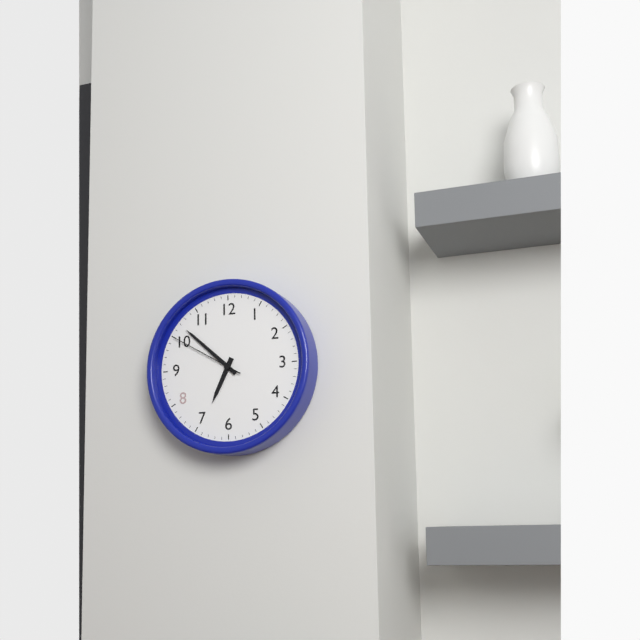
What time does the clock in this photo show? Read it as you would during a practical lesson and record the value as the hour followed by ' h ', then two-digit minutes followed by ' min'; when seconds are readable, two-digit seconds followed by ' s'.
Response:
6 h 52 min 50 s
